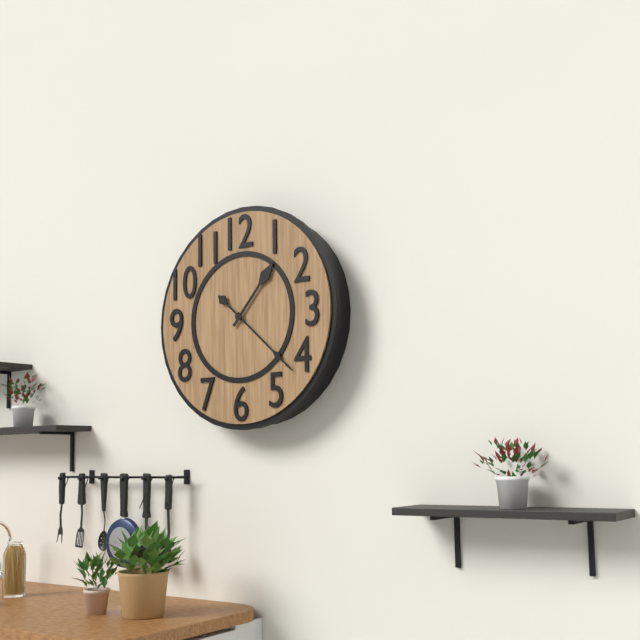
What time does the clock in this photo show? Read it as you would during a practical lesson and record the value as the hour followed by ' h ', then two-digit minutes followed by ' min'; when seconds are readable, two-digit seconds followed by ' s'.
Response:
1 h 22 min
